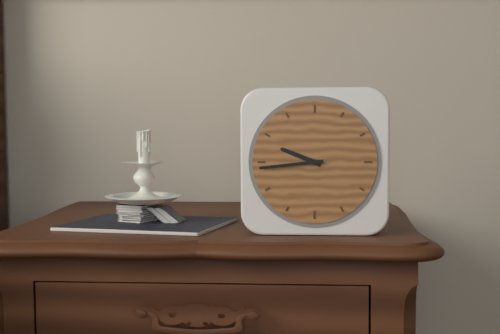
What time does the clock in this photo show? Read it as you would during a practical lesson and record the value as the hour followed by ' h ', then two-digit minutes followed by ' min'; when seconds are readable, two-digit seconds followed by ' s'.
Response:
9 h 44 min
